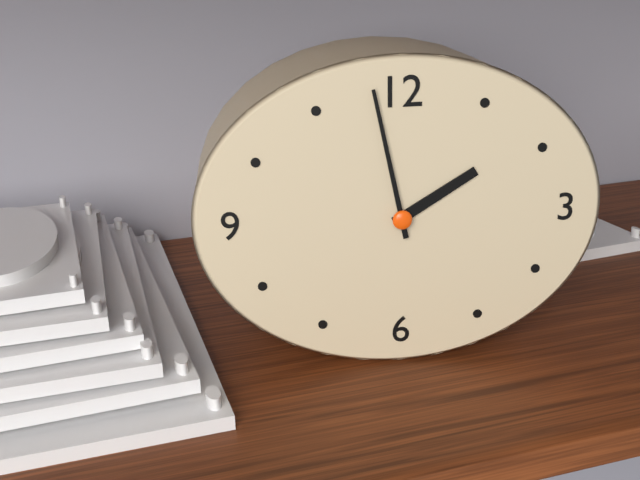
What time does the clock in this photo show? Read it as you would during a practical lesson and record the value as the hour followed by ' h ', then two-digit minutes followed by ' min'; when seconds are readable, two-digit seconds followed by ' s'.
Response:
1 h 58 min
